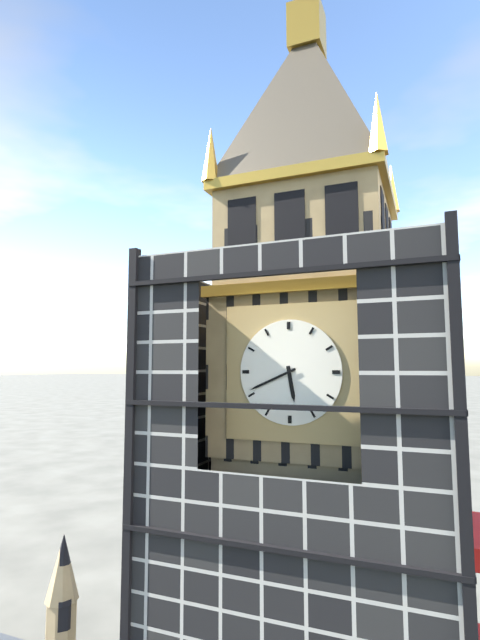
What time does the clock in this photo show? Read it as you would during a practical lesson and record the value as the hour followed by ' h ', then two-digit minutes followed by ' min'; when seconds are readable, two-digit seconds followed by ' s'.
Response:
5 h 41 min
